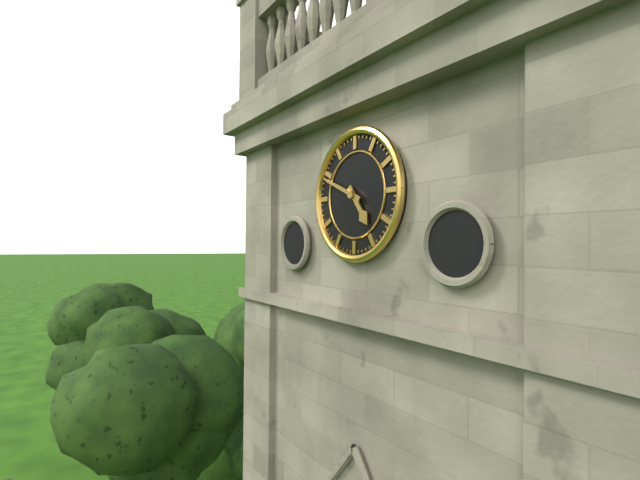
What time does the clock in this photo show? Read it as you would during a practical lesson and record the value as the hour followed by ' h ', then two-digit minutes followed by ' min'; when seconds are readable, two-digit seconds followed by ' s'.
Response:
4 h 49 min
